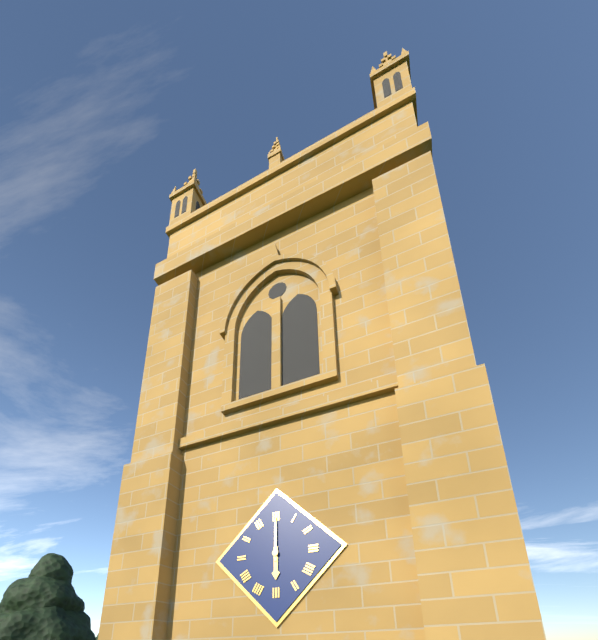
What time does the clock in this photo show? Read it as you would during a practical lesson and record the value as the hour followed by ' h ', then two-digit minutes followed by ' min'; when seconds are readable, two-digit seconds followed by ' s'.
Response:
6 h 00 min
